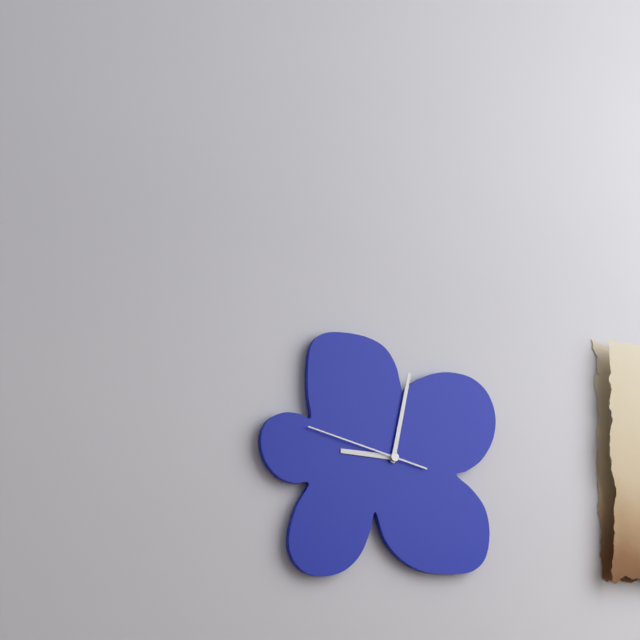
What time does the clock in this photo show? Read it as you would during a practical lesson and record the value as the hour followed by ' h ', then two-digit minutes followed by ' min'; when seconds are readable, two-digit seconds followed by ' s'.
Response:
9 h 02 min 47 s
